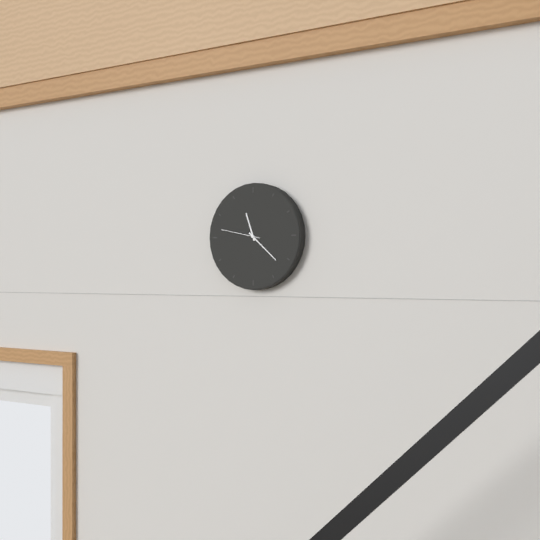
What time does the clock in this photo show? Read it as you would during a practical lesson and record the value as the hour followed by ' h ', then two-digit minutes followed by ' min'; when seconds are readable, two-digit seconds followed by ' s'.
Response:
11 h 22 min
